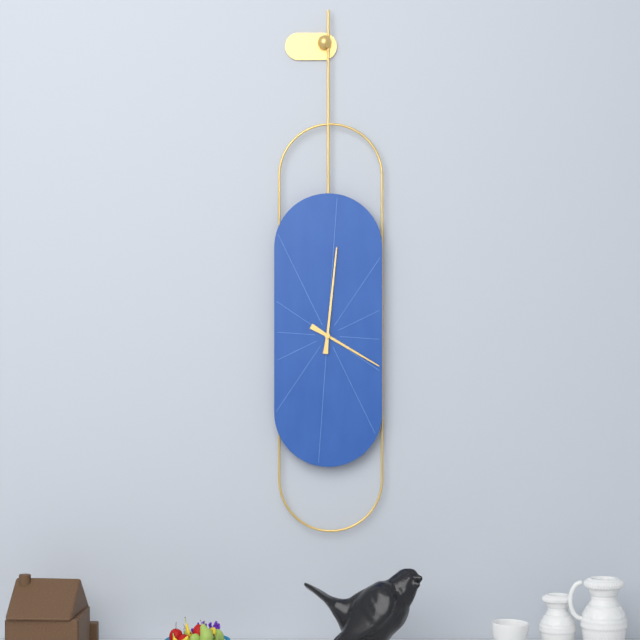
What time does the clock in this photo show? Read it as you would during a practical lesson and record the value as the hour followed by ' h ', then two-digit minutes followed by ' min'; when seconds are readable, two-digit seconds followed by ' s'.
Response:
4 h 01 min
